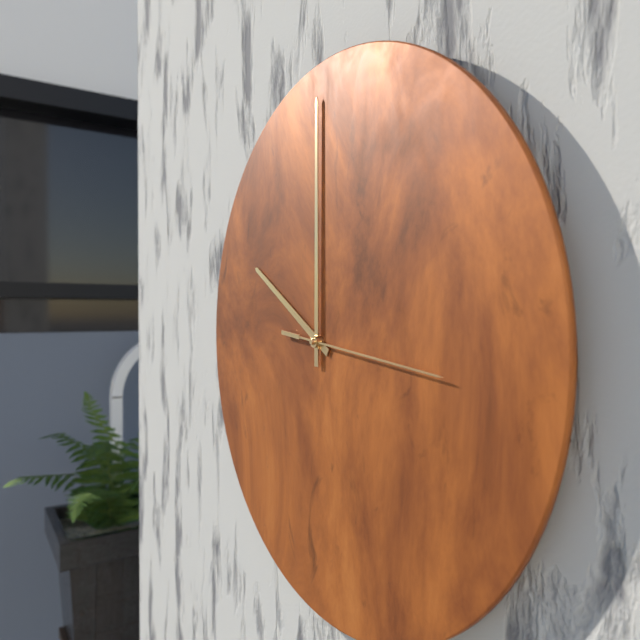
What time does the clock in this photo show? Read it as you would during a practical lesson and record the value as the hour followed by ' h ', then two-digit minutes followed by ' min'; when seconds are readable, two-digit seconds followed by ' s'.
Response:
10 h 00 min 16 s
